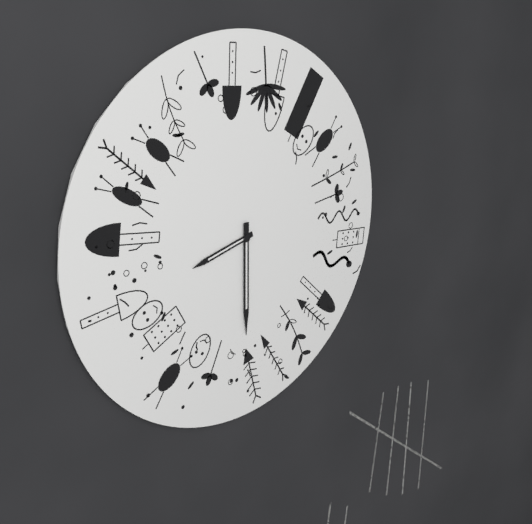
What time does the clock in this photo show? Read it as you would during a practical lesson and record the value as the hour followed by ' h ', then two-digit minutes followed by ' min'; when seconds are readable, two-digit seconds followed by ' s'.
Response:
8 h 30 min
